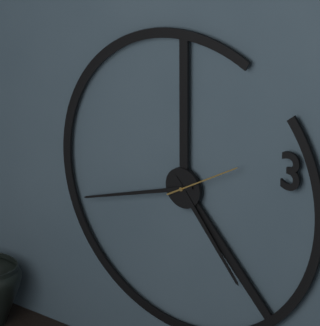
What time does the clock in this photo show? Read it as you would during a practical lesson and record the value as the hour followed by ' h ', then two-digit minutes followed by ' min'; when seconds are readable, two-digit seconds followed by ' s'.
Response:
4 h 42 min 10 s
